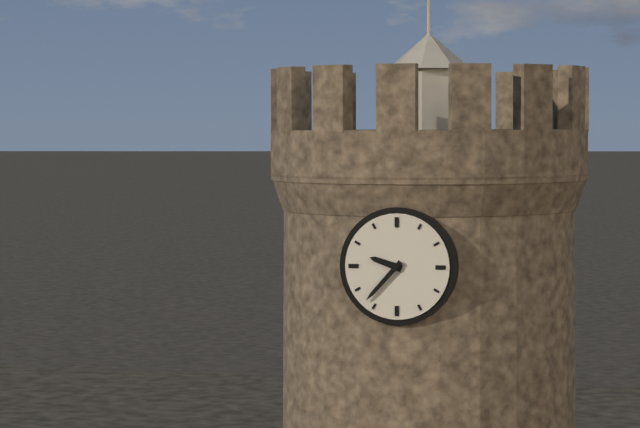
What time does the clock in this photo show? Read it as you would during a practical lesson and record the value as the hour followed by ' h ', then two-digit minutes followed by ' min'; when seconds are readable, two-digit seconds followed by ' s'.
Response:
9 h 37 min
